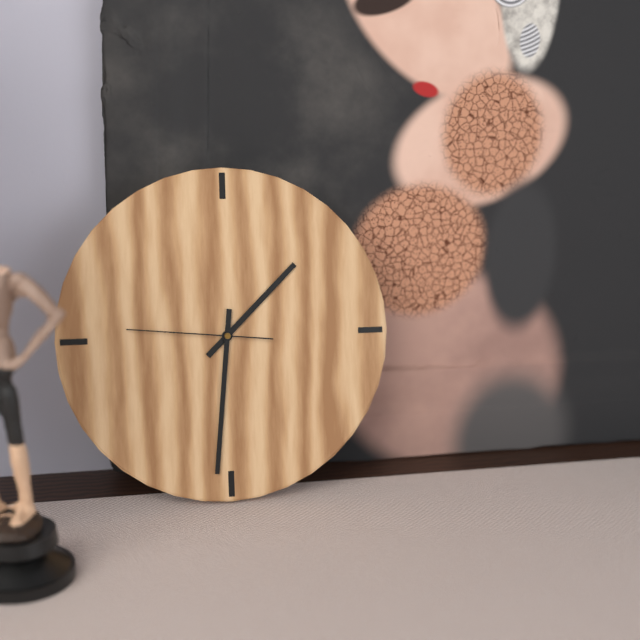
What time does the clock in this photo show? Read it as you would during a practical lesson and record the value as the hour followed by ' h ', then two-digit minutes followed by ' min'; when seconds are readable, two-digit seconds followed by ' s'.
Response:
1 h 31 min 46 s
